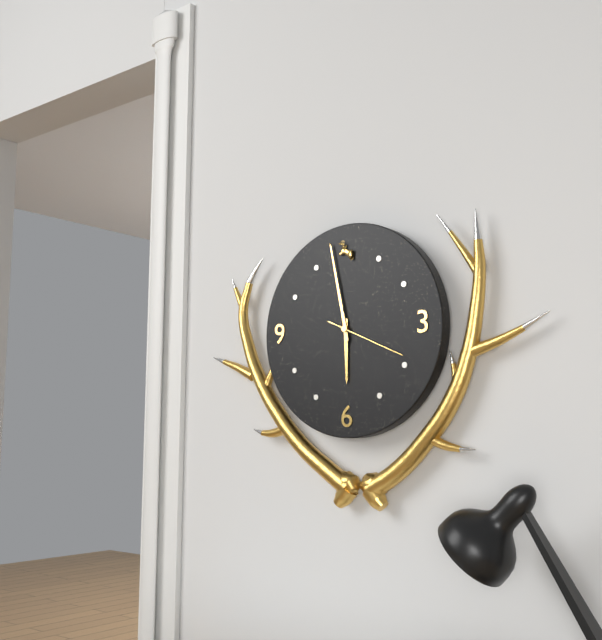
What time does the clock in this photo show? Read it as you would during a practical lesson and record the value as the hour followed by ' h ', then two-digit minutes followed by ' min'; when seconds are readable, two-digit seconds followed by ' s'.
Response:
5 h 58 min 19 s
